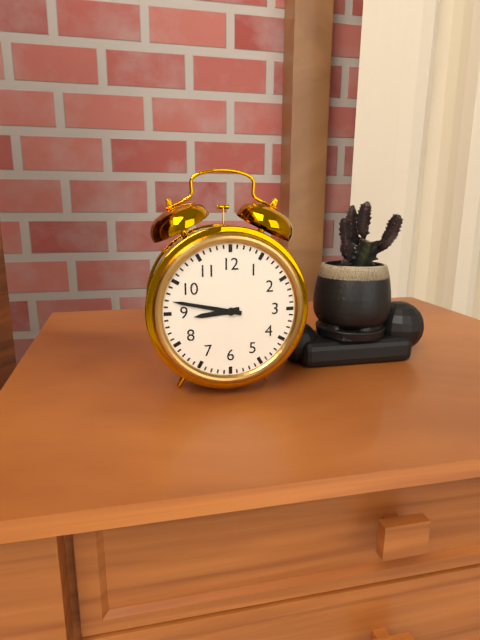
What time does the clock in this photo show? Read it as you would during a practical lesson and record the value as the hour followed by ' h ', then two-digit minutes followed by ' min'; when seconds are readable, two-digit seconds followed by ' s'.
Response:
8 h 47 min
